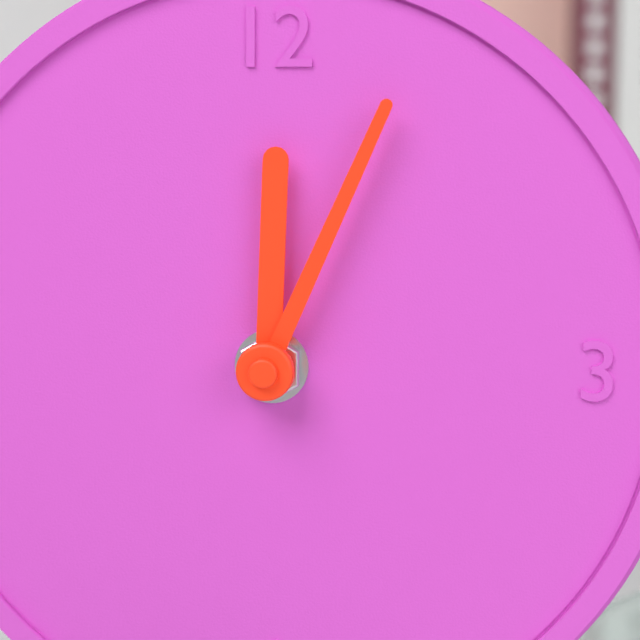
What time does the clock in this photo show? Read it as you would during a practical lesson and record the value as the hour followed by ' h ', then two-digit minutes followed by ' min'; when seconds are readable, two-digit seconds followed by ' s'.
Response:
12 h 04 min
